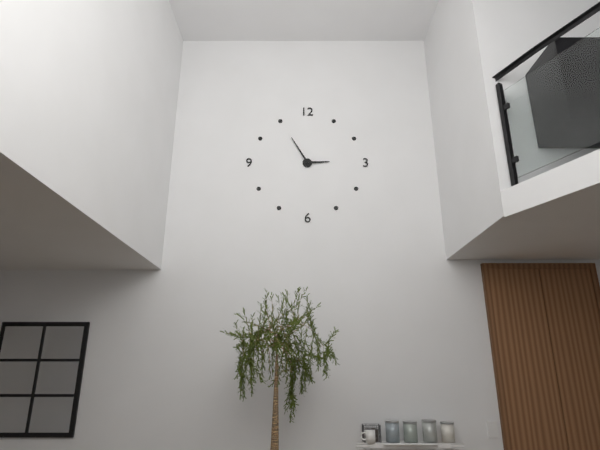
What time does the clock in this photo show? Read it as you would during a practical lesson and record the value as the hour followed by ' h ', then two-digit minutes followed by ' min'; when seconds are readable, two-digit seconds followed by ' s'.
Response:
2 h 55 min
